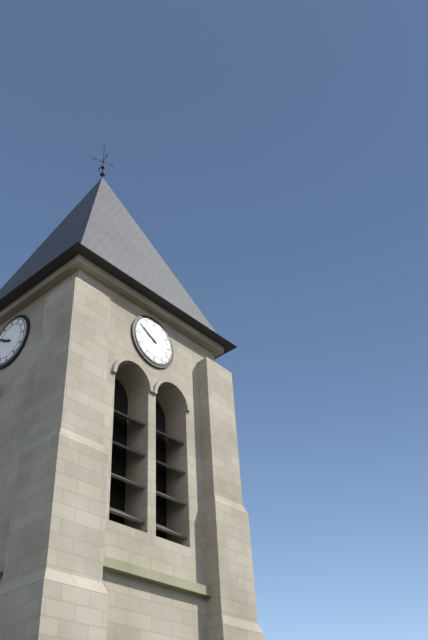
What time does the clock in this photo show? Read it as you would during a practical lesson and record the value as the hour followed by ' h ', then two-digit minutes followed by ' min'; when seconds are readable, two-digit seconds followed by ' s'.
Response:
9 h 50 min
